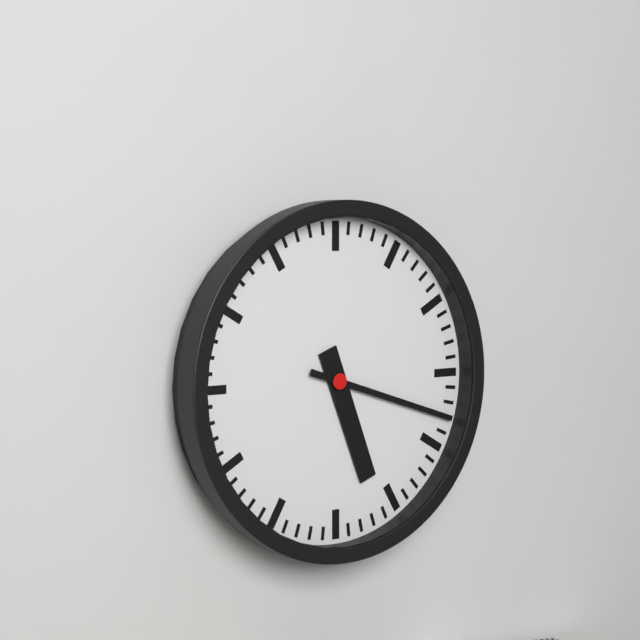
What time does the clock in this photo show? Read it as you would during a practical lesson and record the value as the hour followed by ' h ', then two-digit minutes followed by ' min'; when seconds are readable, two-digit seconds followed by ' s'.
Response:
5 h 18 min
